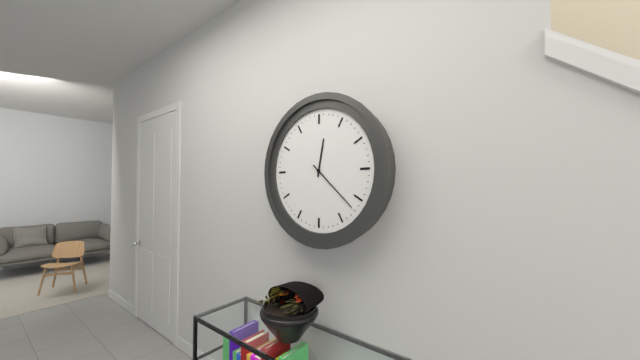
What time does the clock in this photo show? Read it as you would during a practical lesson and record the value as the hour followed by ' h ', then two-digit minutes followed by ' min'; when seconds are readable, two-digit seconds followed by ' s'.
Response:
12 h 22 min
